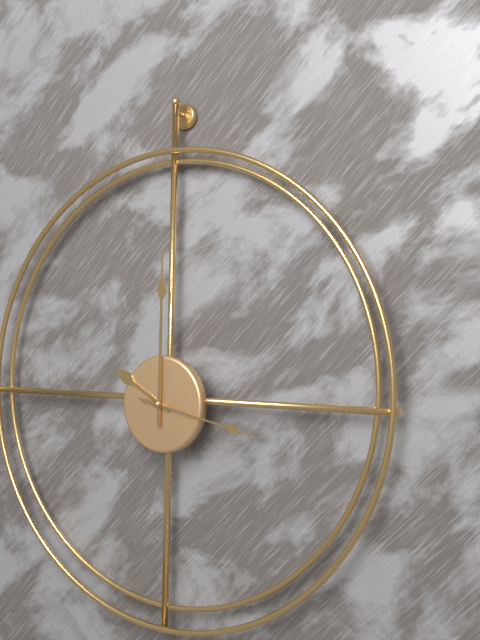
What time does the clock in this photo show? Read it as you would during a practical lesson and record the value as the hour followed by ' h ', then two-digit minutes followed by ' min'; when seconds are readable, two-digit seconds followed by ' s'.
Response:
10 h 00 min 17 s
